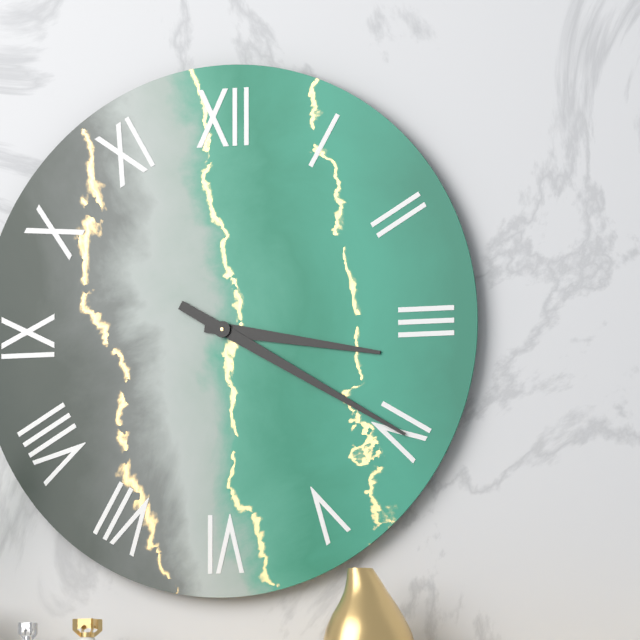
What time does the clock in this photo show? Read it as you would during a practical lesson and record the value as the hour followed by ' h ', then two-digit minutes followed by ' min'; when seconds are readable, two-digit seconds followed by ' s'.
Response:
3 h 20 min
